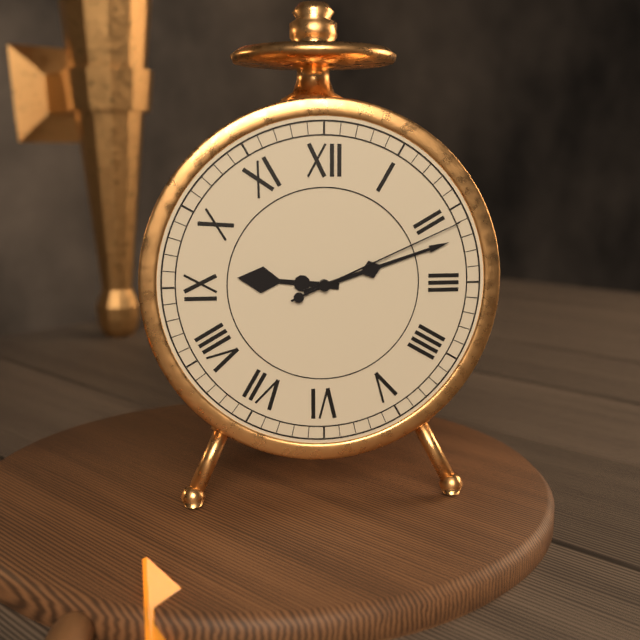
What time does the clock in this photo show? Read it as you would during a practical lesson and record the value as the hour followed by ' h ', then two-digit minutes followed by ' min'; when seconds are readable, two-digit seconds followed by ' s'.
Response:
9 h 12 min 11 s
